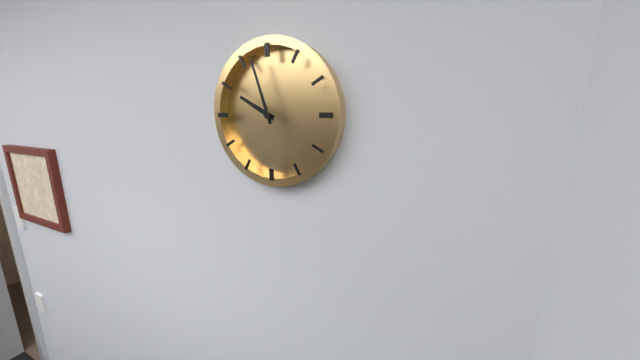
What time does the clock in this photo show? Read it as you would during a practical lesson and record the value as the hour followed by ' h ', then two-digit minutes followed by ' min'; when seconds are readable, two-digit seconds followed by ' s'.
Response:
9 h 57 min
